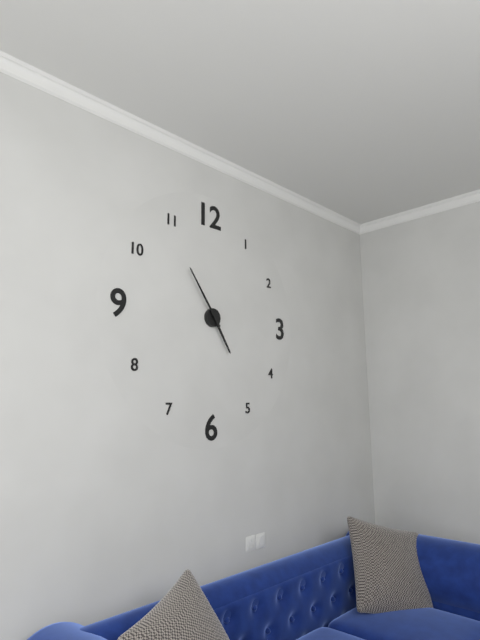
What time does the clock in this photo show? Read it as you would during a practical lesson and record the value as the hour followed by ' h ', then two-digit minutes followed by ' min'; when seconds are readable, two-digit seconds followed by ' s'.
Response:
4 h 54 min
